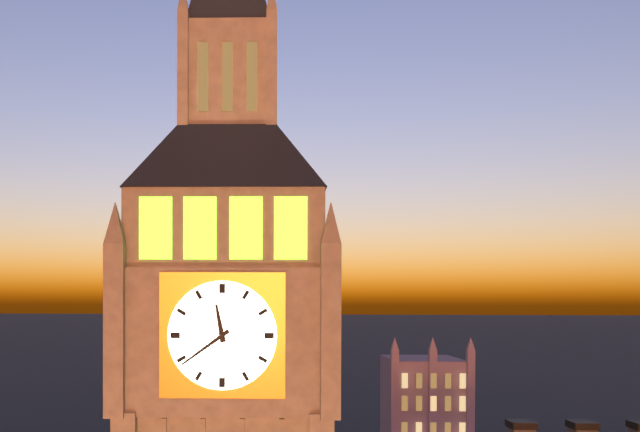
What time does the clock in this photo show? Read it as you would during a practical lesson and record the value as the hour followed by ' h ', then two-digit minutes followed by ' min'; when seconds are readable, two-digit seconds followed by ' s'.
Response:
11 h 39 min
